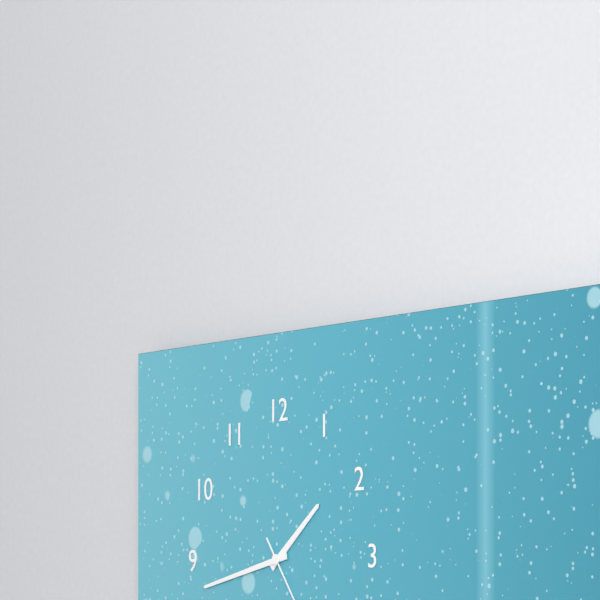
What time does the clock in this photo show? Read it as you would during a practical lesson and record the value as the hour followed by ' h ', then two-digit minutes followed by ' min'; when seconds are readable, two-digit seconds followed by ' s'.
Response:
1 h 43 min
